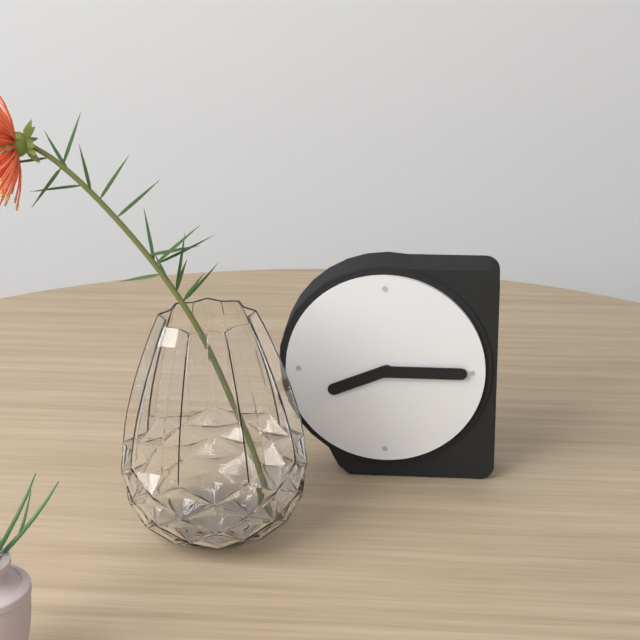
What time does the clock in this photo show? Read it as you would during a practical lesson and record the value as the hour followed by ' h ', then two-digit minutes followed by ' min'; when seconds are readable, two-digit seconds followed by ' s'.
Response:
8 h 15 min
